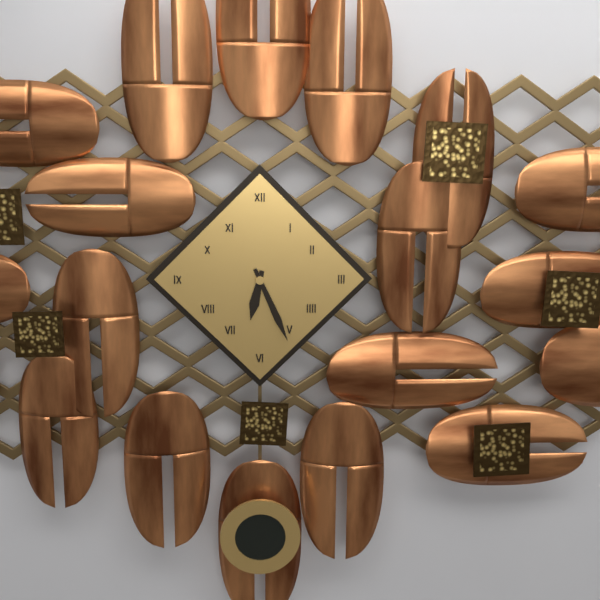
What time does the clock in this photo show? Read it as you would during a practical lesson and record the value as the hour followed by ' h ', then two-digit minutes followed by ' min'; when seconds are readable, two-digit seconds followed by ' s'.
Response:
6 h 26 min
